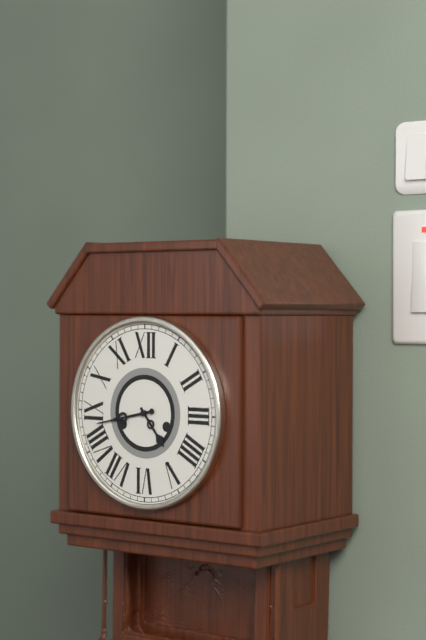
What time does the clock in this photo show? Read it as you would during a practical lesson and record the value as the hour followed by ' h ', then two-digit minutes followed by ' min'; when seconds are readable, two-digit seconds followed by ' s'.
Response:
4 h 43 min
